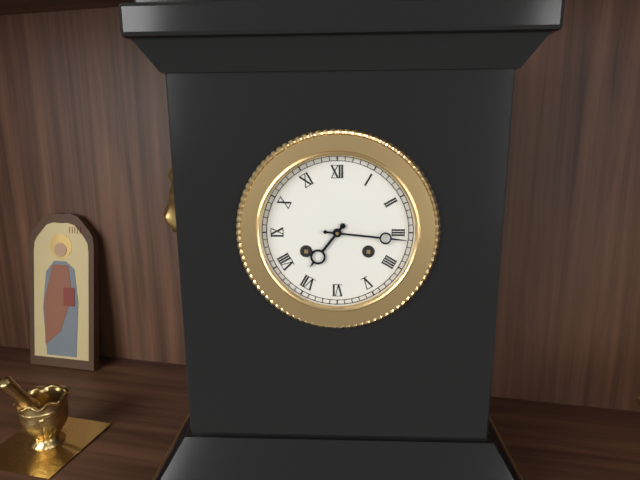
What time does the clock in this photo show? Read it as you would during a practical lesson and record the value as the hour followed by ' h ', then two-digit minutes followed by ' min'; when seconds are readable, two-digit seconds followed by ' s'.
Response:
7 h 16 min
